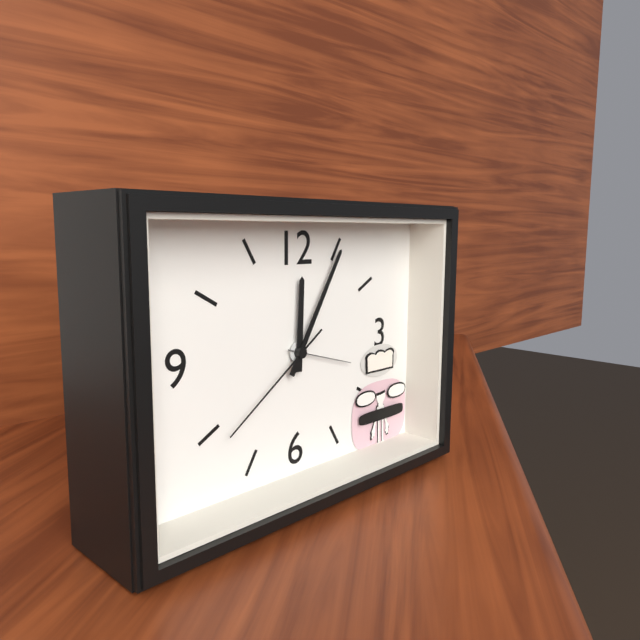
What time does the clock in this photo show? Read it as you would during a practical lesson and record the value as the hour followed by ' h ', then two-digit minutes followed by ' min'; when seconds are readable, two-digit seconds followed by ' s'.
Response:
12 h 05 min 39 s
